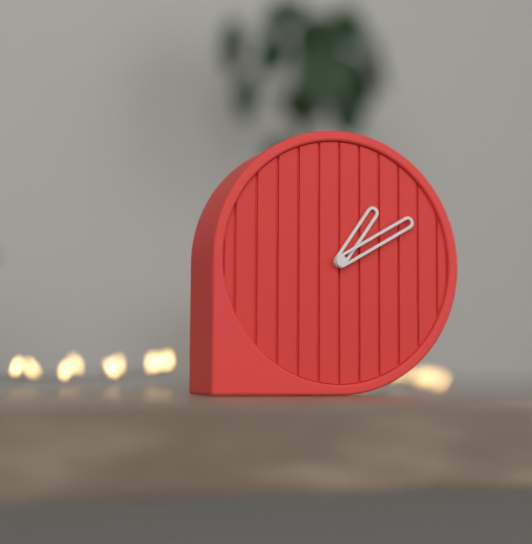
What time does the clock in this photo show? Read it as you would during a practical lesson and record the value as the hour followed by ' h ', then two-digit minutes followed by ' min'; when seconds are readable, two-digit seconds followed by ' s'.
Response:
1 h 10 min
